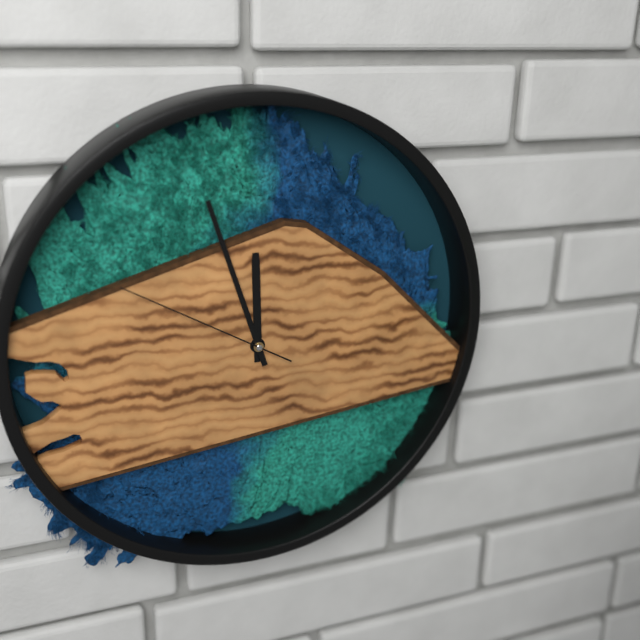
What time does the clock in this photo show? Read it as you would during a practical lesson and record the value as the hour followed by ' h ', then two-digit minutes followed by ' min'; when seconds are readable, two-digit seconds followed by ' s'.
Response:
11 h 57 min 50 s
